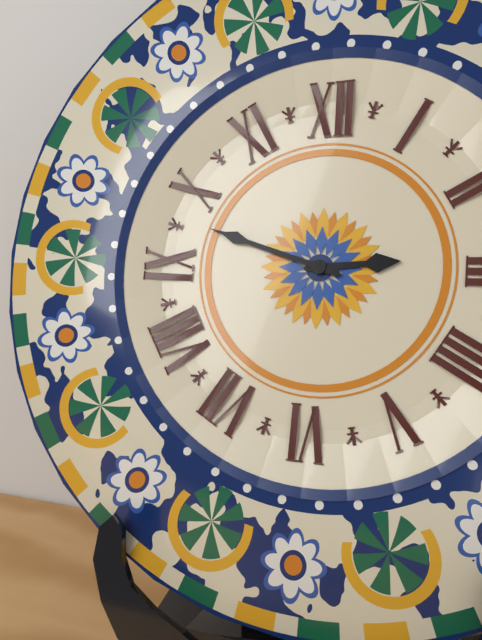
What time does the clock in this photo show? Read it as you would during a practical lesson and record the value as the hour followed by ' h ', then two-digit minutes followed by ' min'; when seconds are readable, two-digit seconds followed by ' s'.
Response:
2 h 48 min
